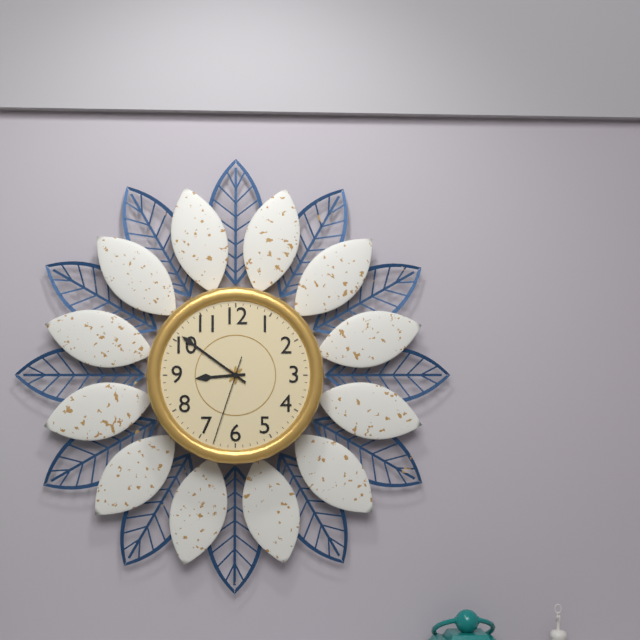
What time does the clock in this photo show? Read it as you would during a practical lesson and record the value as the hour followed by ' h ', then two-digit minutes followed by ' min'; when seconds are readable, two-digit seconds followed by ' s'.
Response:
8 h 51 min 33 s
